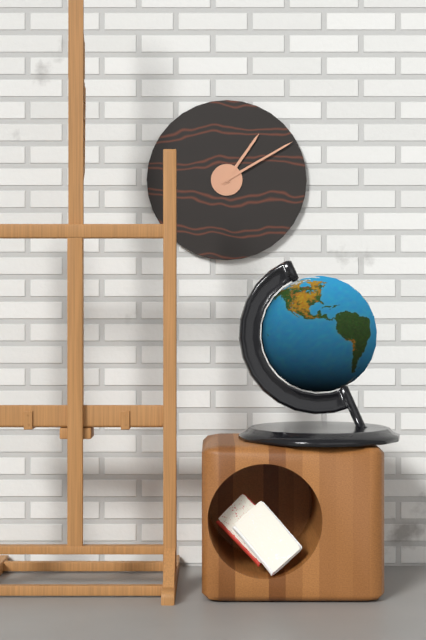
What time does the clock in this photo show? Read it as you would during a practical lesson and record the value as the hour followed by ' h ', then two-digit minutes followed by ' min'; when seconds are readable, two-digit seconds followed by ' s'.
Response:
1 h 10 min
